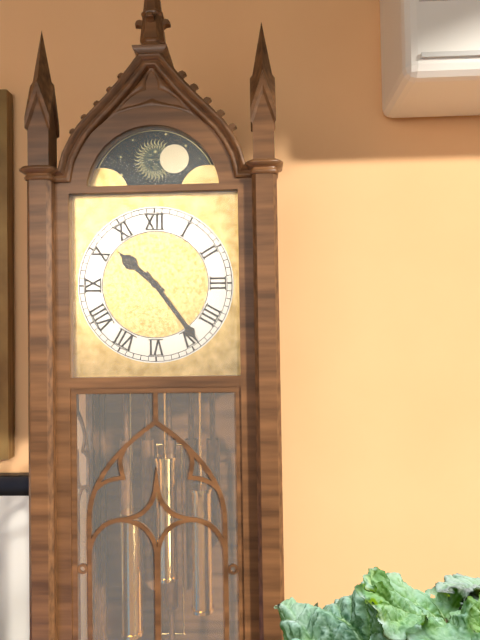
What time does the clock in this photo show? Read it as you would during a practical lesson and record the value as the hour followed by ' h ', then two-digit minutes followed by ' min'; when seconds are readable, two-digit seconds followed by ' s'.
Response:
10 h 24 min
